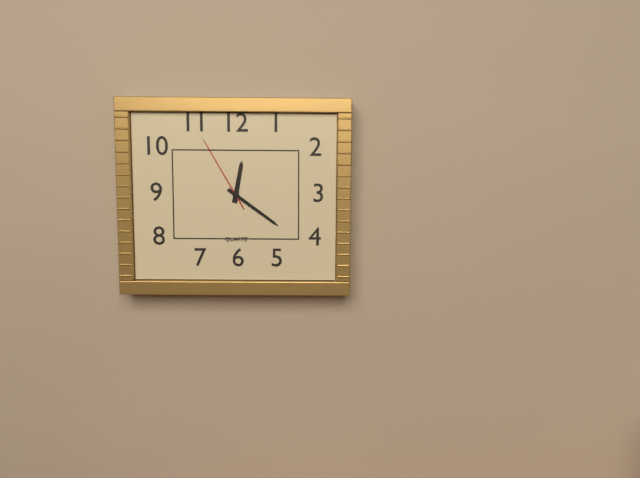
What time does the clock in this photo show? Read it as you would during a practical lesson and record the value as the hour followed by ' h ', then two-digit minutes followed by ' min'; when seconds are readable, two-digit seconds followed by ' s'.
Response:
12 h 21 min 55 s
